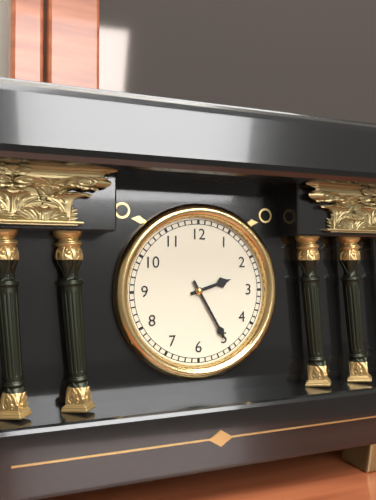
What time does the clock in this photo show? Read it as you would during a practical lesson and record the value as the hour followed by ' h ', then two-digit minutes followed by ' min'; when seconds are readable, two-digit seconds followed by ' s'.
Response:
2 h 25 min
